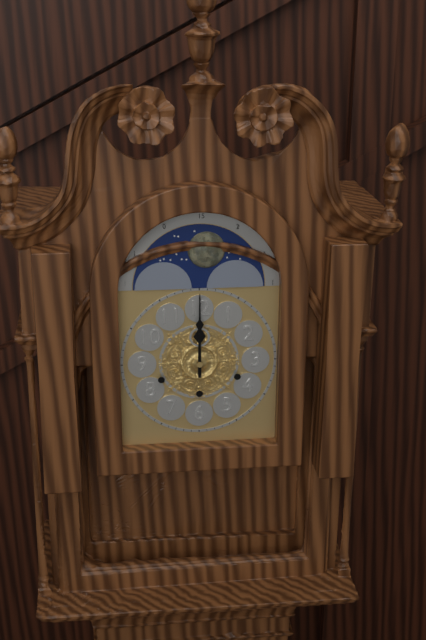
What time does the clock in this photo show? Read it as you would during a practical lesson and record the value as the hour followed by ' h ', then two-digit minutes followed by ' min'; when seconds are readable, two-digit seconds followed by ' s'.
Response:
12 h 00 min
